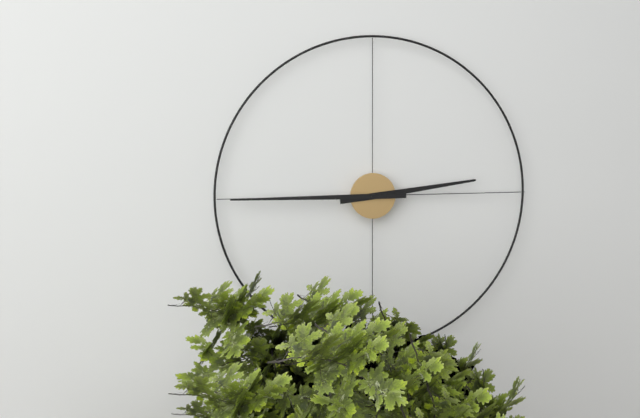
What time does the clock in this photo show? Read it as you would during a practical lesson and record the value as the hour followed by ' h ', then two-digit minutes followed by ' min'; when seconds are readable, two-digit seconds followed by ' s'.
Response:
2 h 45 min
